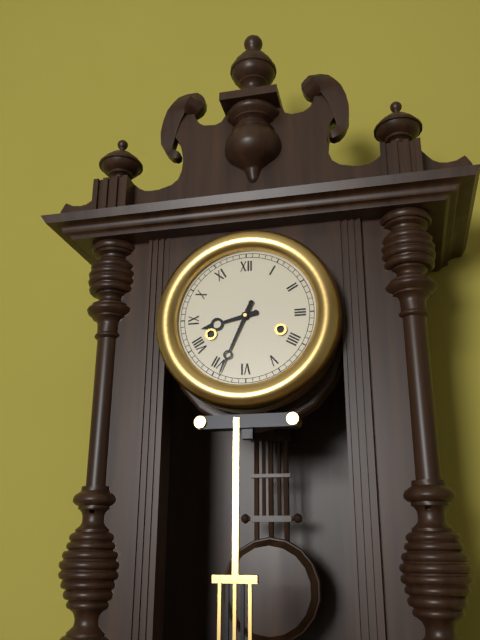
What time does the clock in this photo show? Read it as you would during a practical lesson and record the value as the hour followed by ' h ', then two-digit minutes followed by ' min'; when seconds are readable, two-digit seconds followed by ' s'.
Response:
8 h 34 min
